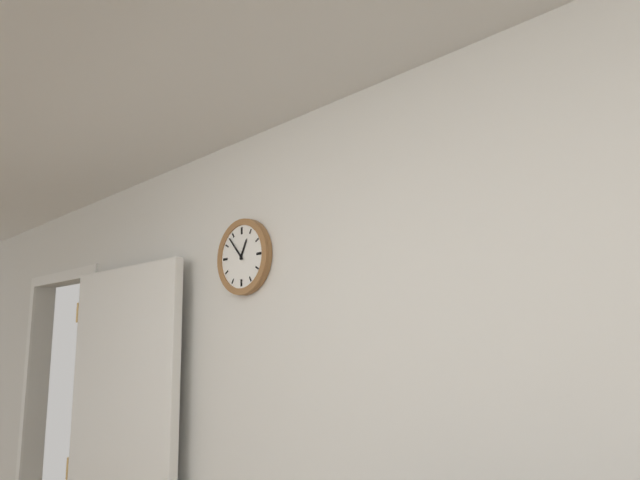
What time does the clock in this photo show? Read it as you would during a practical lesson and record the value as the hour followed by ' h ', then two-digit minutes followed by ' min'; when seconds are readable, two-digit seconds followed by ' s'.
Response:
12 h 53 min
